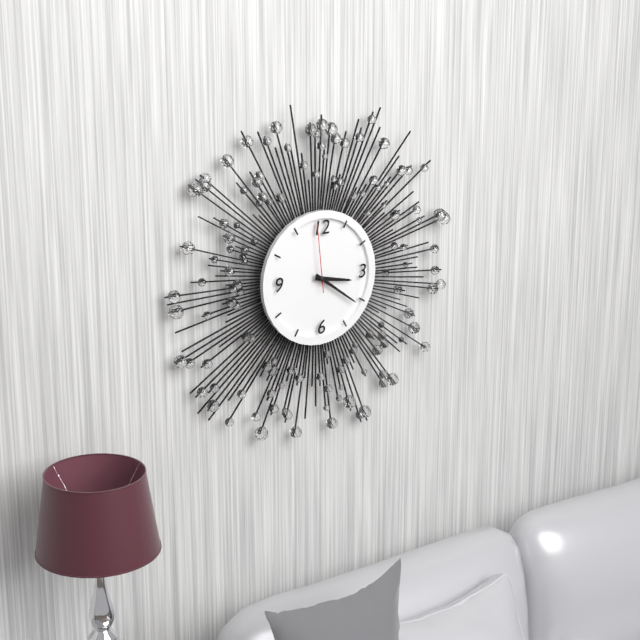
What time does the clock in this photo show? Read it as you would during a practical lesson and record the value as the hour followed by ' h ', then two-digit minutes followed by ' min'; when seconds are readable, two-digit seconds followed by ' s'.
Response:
3 h 21 min 59 s
